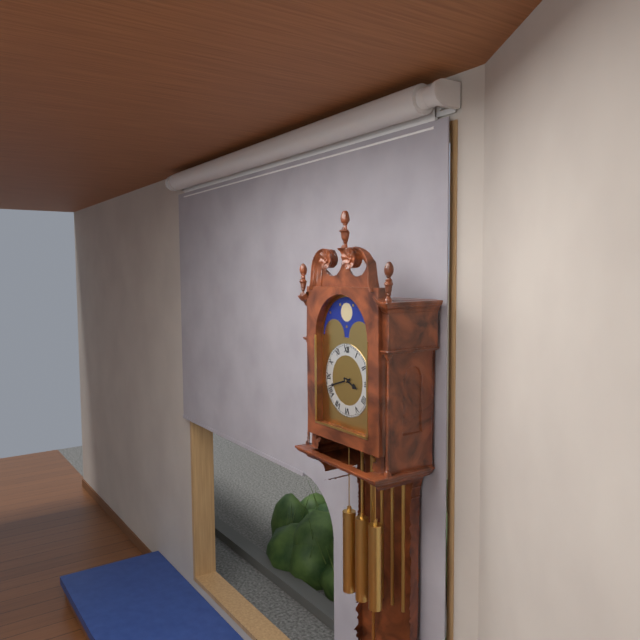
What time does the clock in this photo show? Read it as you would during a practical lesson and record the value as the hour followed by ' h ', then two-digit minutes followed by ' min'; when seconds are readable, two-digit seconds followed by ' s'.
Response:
3 h 42 min
